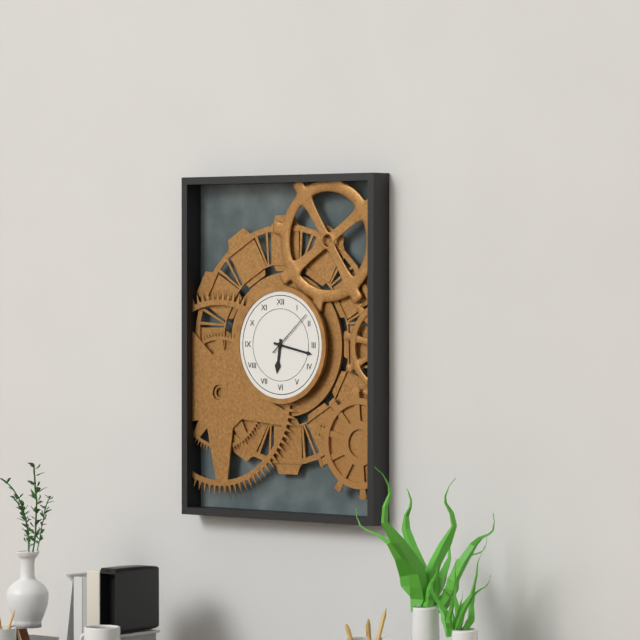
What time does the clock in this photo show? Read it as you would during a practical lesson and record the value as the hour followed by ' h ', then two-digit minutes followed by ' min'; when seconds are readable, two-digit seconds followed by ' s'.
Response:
6 h 17 min
